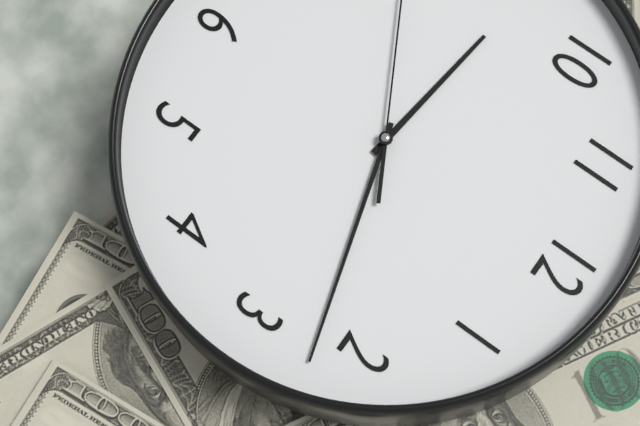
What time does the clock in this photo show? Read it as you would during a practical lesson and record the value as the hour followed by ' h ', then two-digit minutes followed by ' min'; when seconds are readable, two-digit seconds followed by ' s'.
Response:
9 h 12 min
